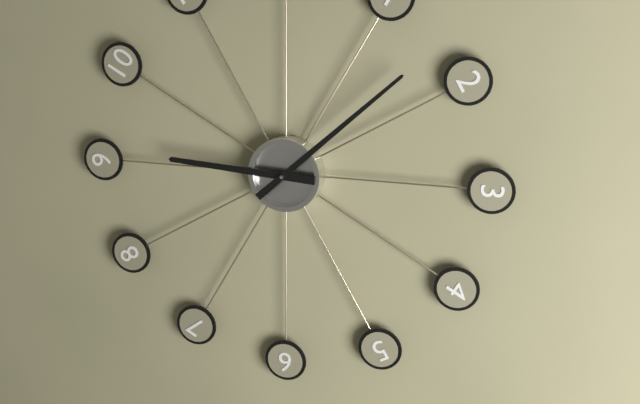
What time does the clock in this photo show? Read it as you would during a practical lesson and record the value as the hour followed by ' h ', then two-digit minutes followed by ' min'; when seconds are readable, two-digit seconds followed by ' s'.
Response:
9 h 08 min
